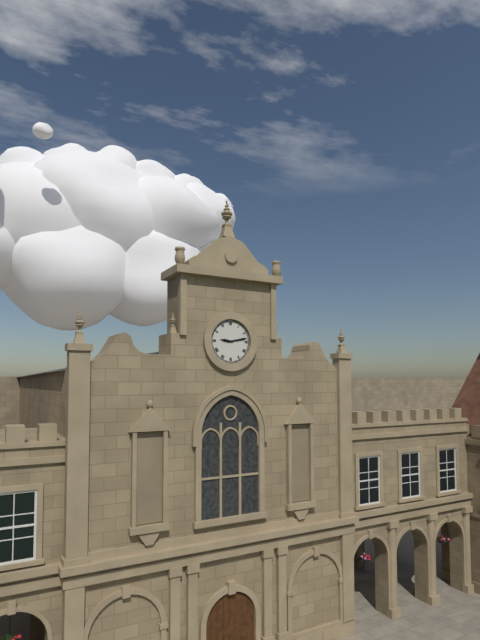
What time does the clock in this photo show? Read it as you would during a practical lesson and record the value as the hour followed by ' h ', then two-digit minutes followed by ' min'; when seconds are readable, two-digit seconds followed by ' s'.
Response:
9 h 13 min
